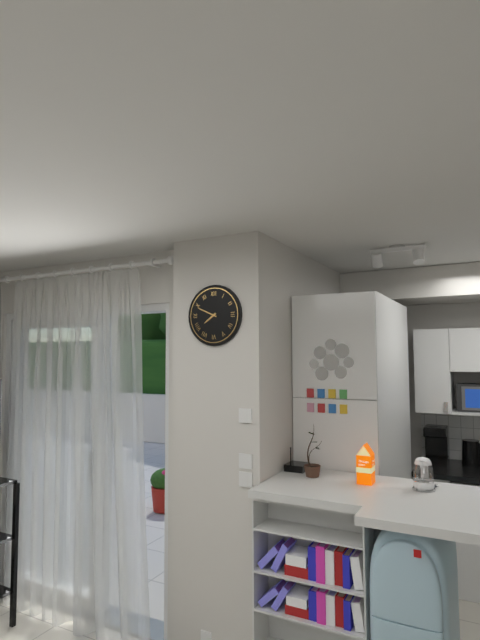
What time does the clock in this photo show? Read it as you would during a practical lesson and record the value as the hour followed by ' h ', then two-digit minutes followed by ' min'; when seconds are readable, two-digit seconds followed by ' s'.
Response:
7 h 49 min
